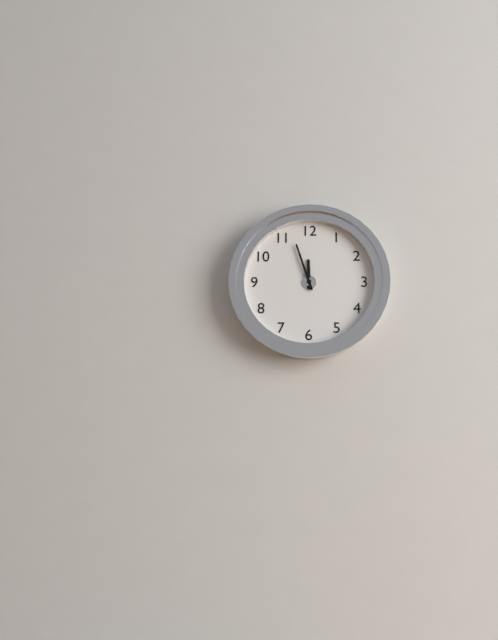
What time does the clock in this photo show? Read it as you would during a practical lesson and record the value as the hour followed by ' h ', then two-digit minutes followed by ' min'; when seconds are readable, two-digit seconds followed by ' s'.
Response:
11 h 57 min
